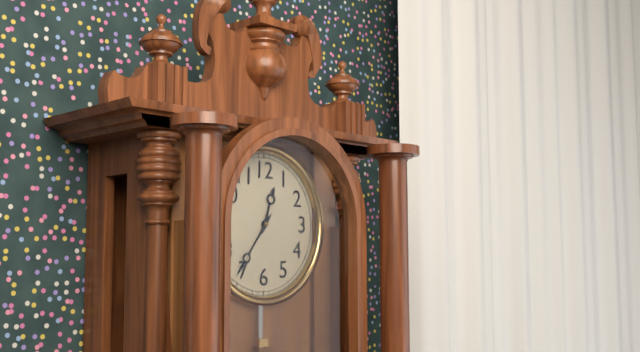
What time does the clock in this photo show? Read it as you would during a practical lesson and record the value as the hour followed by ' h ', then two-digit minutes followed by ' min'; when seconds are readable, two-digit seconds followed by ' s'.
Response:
12 h 36 min
